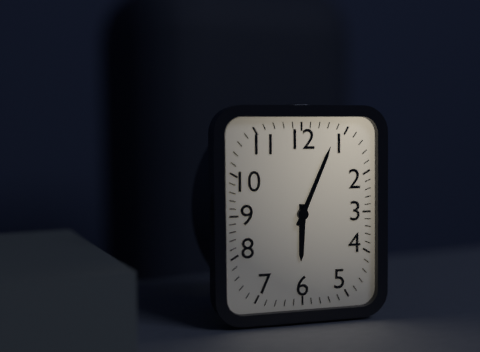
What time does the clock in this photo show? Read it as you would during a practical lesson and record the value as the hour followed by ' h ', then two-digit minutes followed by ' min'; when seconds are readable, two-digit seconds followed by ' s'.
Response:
6 h 04 min
